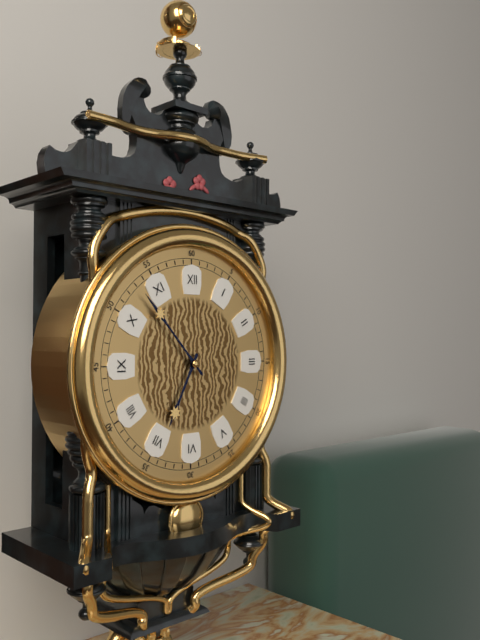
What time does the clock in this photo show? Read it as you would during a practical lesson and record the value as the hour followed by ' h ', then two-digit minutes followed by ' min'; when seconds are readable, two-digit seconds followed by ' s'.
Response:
6 h 53 min
